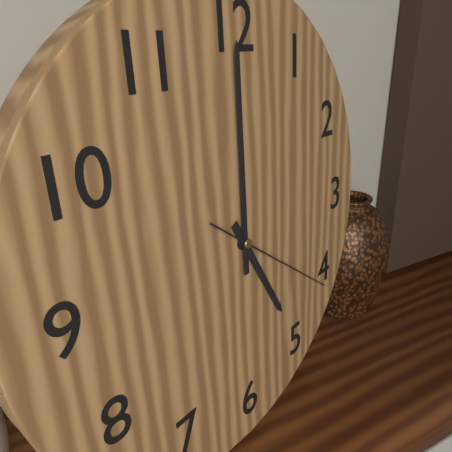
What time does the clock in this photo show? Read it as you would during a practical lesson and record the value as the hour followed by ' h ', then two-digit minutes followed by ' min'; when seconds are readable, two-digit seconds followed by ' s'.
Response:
5 h 00 min 21 s
